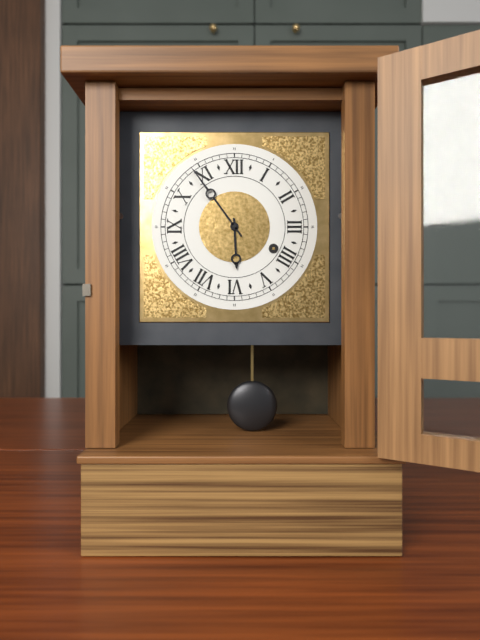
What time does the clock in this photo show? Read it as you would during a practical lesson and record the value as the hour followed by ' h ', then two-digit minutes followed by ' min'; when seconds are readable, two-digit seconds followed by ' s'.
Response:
5 h 54 min
